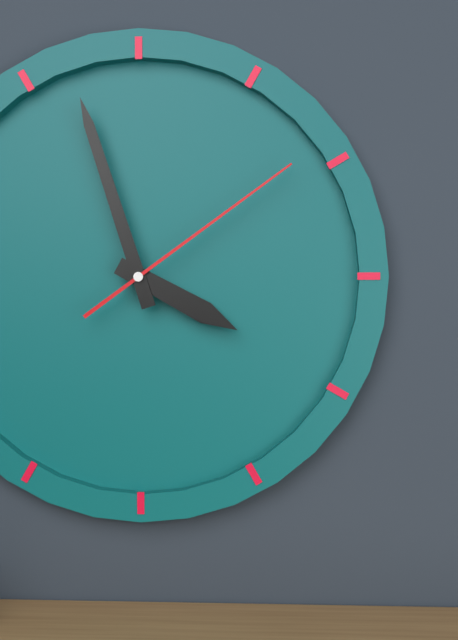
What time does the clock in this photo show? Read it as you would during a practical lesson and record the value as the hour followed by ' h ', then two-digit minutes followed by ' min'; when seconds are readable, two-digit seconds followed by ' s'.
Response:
3 h 57 min 09 s
